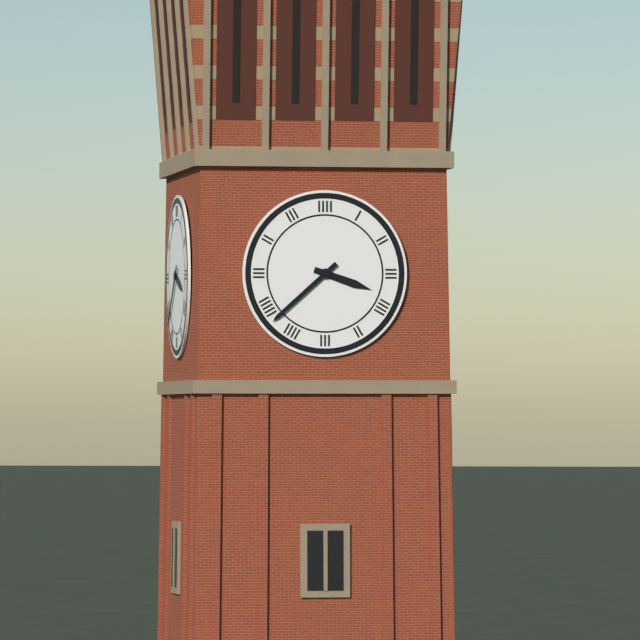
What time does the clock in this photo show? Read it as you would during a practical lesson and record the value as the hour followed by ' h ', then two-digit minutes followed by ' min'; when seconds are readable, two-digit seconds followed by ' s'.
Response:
3 h 38 min
